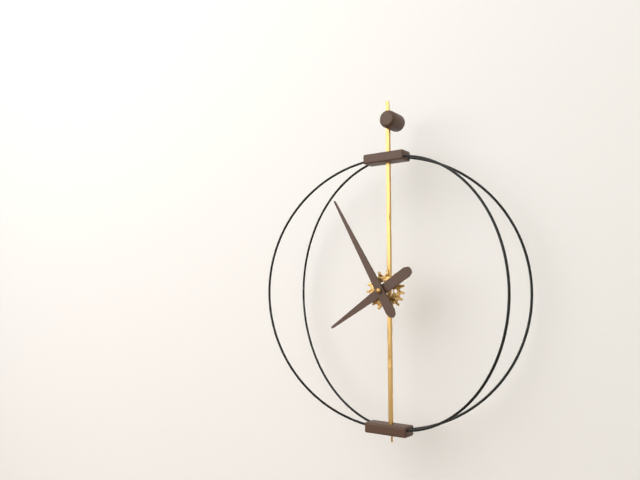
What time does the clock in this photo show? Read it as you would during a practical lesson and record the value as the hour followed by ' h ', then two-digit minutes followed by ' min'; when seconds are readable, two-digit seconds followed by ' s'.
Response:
7 h 55 min
